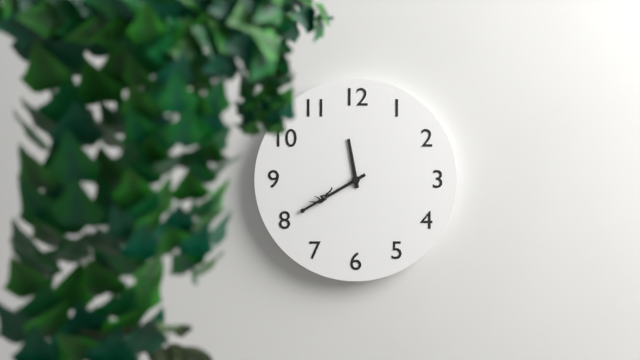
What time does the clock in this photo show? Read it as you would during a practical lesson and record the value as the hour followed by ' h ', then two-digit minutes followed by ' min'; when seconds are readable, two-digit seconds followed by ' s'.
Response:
11 h 40 min
